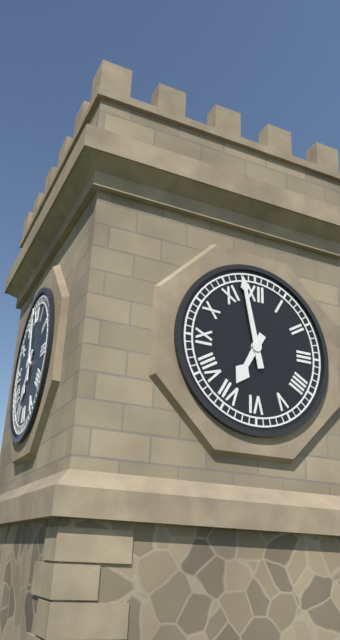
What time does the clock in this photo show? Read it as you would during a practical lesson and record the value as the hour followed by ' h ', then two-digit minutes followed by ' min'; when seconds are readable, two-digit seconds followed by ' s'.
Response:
6 h 58 min
